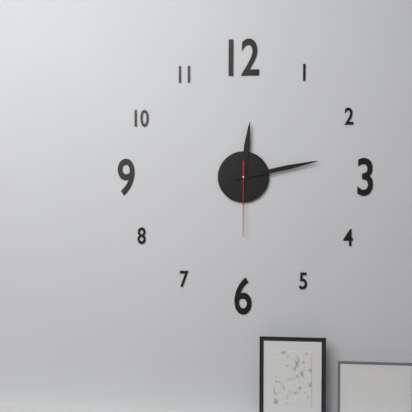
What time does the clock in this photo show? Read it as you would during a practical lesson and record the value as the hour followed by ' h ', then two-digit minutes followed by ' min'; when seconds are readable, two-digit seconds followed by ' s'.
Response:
12 h 13 min 30 s
